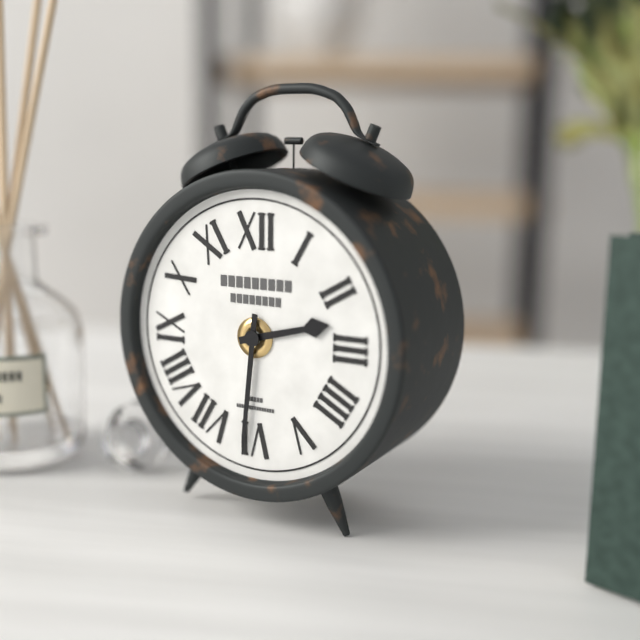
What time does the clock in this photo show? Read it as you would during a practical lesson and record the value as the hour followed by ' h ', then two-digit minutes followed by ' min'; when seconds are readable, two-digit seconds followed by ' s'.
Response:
2 h 31 min
